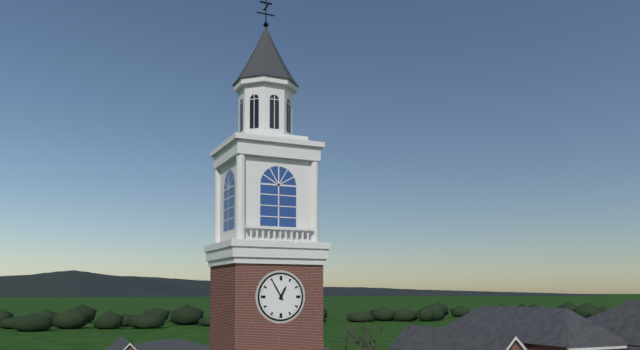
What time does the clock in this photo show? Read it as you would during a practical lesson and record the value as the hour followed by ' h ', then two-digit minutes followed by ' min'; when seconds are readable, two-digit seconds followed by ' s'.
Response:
12 h 55 min
